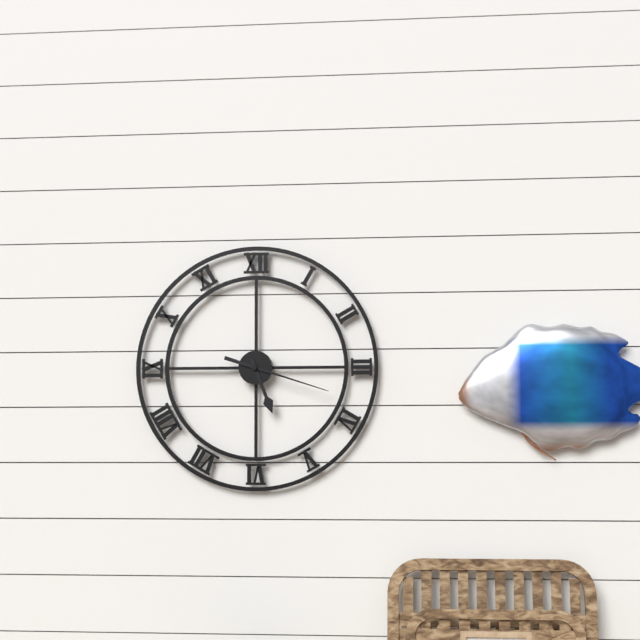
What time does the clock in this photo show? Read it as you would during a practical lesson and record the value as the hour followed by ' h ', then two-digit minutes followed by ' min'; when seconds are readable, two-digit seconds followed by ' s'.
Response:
5 h 18 min
